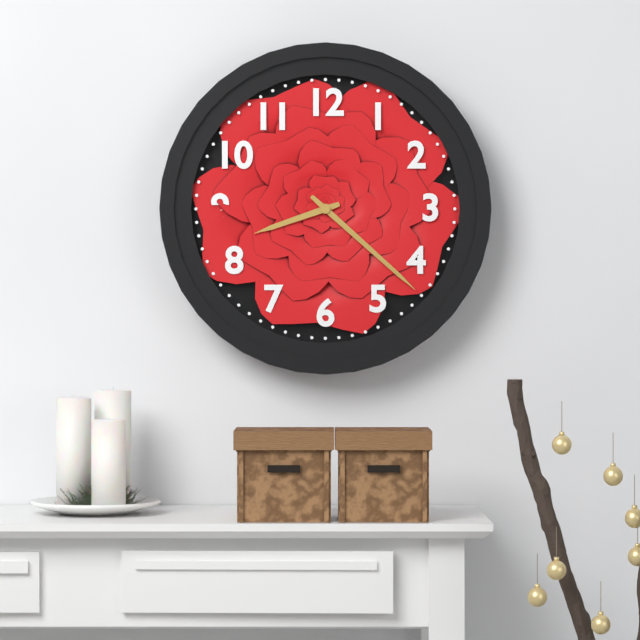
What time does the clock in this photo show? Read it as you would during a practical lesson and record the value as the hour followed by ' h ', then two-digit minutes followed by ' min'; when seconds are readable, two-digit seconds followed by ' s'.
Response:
8 h 22 min
